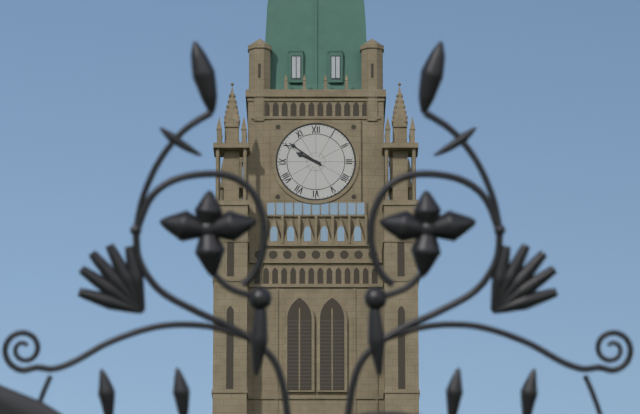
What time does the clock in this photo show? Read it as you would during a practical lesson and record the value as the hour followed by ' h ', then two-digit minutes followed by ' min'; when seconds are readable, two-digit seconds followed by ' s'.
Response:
9 h 51 min
